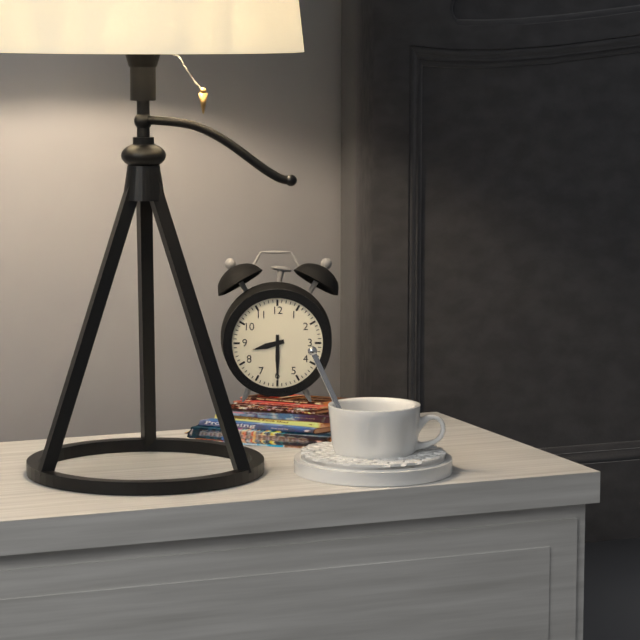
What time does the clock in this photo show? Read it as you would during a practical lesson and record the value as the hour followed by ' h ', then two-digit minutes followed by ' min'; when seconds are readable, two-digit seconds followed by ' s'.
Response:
8 h 30 min
